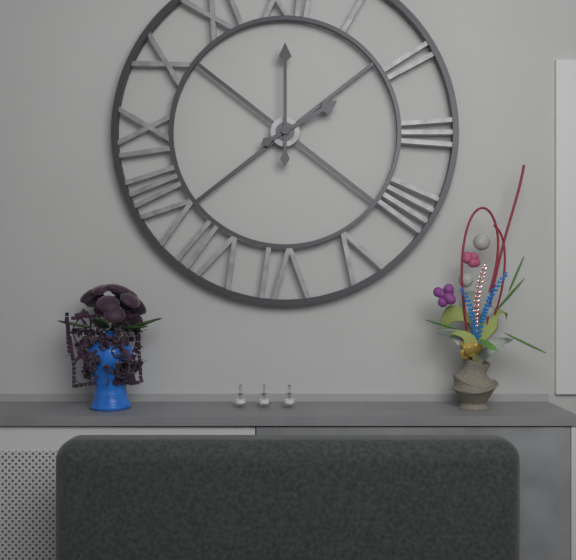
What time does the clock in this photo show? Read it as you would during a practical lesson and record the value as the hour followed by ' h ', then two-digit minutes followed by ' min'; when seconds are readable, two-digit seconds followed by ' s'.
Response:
2 h 00 min
